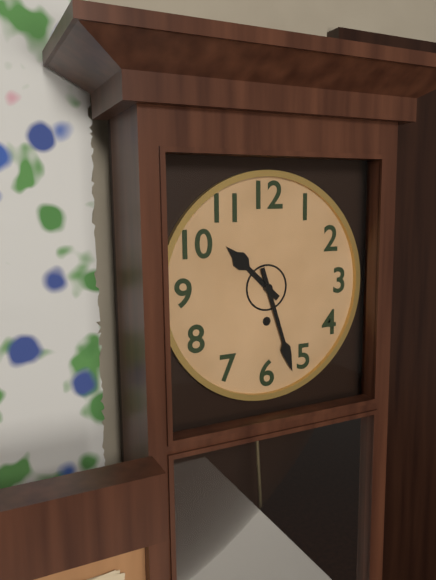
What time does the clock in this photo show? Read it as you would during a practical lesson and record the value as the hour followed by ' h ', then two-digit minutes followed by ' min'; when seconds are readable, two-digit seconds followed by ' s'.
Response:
10 h 27 min
